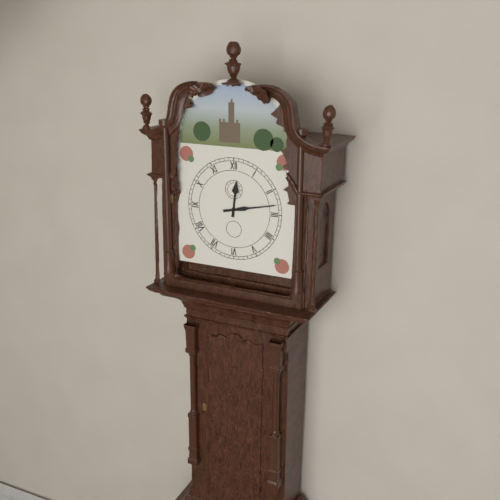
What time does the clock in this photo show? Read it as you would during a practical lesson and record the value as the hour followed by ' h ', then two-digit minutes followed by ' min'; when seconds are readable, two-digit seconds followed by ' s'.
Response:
12 h 13 min
